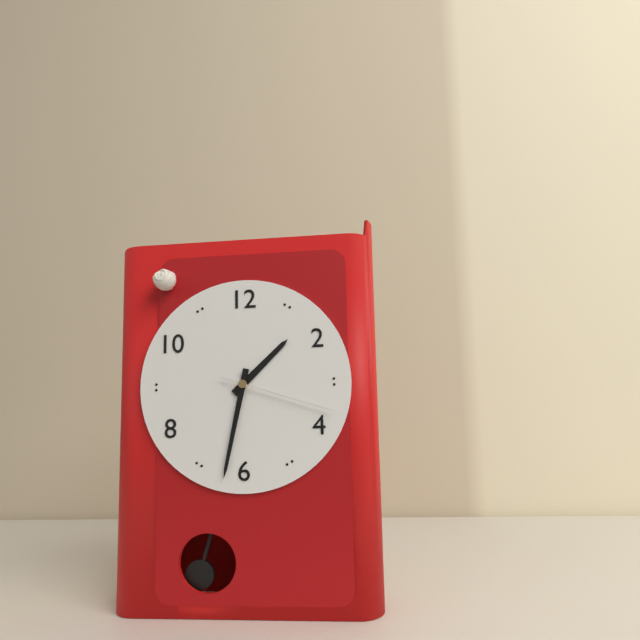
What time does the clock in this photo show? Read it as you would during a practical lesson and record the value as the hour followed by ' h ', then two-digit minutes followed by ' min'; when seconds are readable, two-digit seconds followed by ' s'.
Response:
1 h 32 min 18 s
